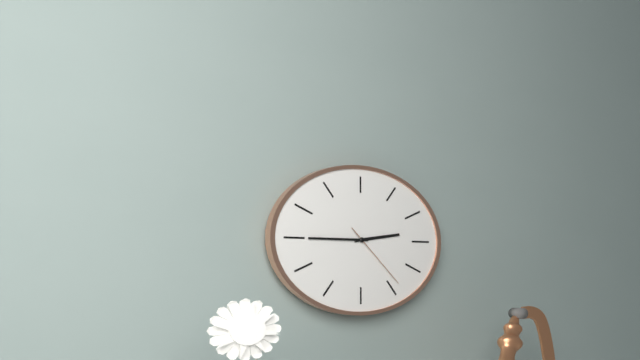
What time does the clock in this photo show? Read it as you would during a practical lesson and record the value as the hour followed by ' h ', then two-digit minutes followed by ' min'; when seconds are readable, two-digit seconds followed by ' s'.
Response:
2 h 45 min 22 s
